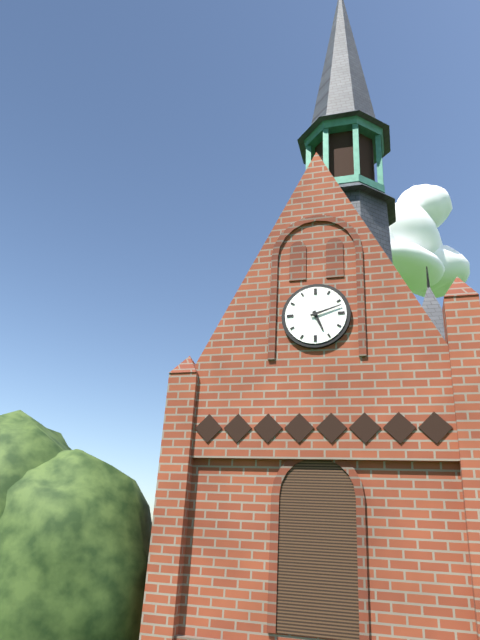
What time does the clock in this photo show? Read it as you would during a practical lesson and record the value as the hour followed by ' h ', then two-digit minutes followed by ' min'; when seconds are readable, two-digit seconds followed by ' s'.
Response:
5 h 12 min
